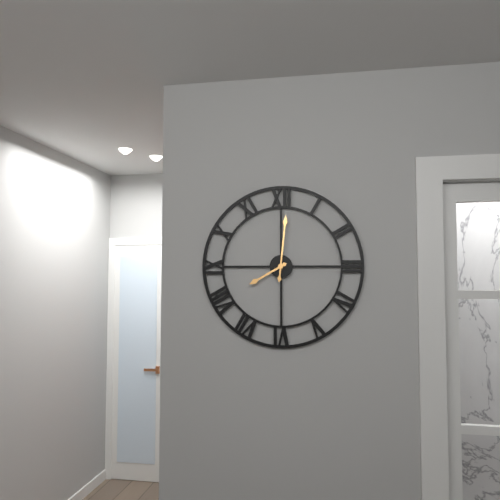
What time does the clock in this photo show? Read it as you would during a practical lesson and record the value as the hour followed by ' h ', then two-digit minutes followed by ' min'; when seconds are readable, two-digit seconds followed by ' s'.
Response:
8 h 01 min
